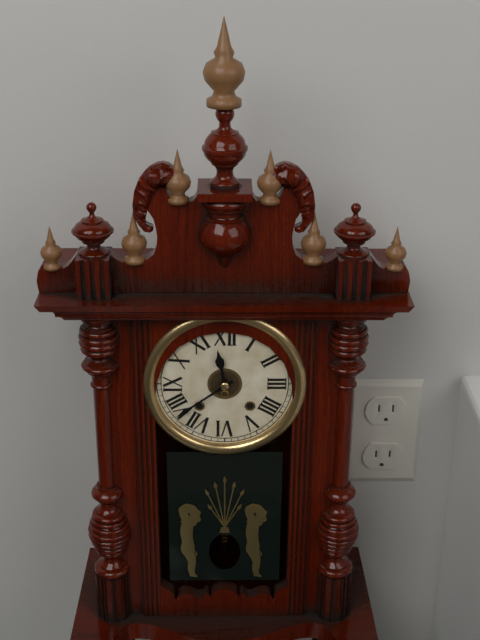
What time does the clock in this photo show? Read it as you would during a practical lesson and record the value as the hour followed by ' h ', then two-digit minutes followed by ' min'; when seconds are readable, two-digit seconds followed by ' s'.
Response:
11 h 39 min
